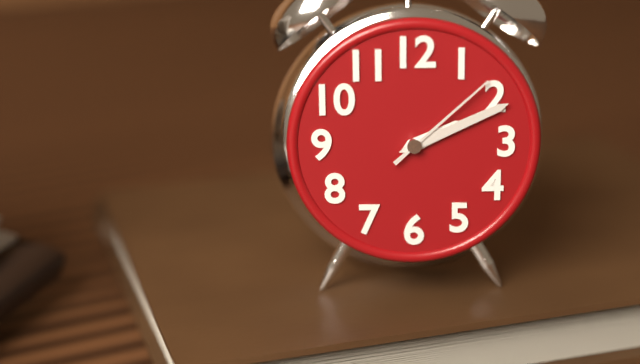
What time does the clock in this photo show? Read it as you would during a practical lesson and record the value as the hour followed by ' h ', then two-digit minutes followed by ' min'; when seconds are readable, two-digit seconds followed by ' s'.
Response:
2 h 11 min 08 s
